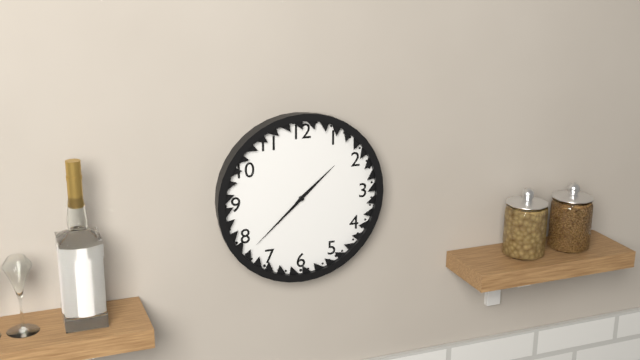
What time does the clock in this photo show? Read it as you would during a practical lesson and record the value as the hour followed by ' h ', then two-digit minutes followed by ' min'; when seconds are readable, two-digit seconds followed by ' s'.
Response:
1 h 38 min
